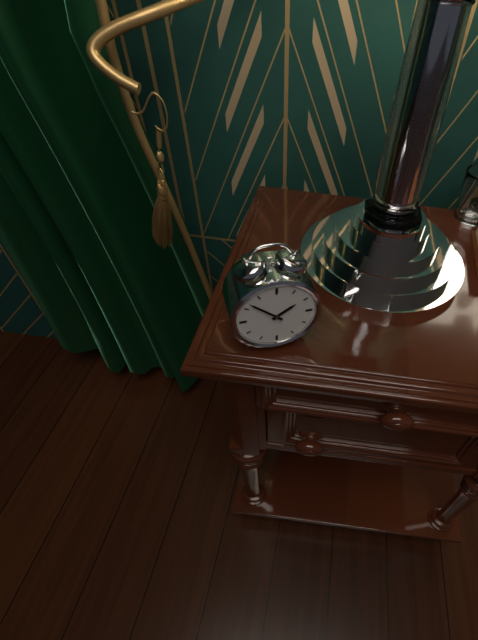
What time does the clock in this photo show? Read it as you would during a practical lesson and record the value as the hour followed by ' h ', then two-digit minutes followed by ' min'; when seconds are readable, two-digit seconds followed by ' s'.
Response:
1 h 52 min
